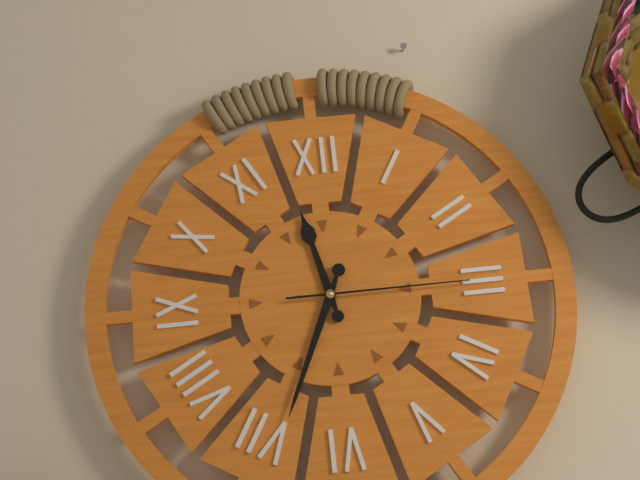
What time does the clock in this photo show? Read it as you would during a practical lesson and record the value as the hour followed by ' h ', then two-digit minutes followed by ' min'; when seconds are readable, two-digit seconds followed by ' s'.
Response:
11 h 34 min 15 s
